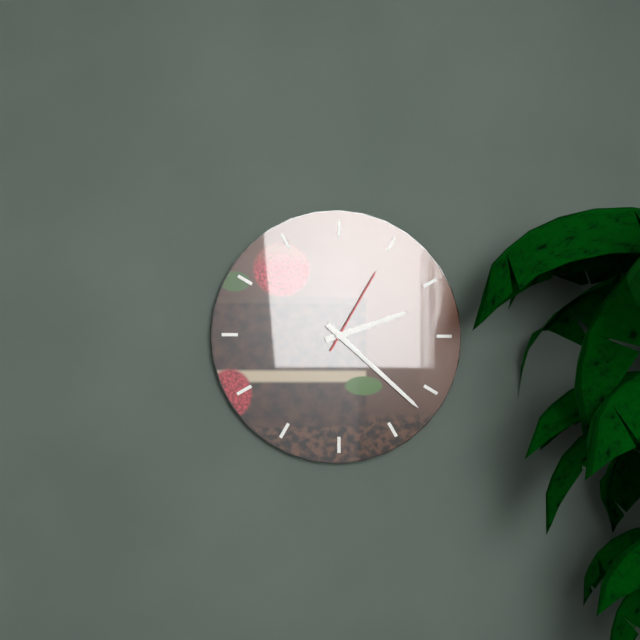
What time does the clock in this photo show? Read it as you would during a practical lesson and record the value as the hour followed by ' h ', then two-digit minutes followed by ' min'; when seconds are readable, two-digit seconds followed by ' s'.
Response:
2 h 22 min 05 s
